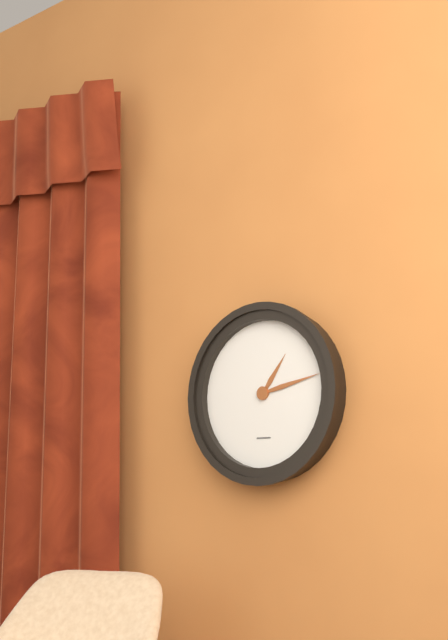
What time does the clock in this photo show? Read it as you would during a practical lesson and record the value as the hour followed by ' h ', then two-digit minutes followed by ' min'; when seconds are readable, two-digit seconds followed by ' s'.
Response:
1 h 13 min
